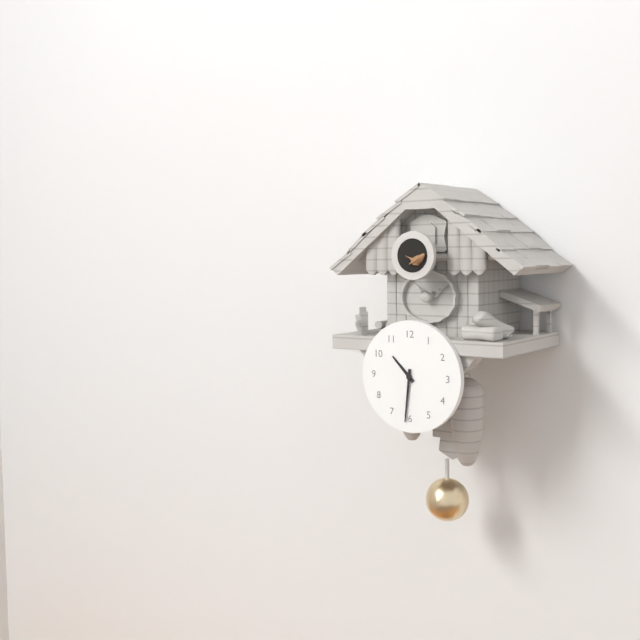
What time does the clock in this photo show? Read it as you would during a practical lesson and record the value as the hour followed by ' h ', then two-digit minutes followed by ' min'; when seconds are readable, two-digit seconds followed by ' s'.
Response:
10 h 31 min
